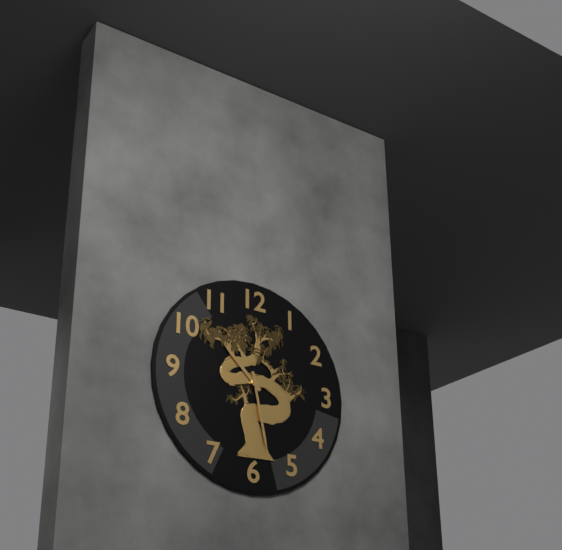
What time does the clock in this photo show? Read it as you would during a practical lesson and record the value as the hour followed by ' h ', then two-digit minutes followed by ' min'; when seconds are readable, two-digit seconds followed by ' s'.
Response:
10 h 28 min
